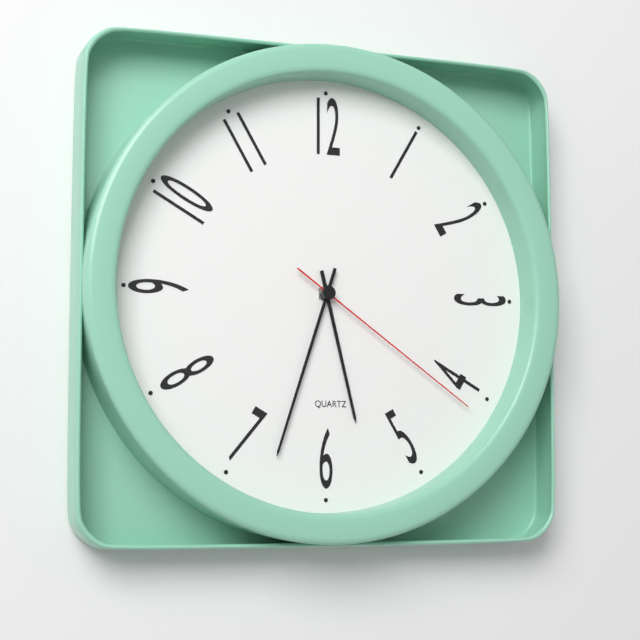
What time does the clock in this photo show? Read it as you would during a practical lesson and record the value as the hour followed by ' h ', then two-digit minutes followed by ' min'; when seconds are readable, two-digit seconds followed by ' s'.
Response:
5 h 33 min 21 s
